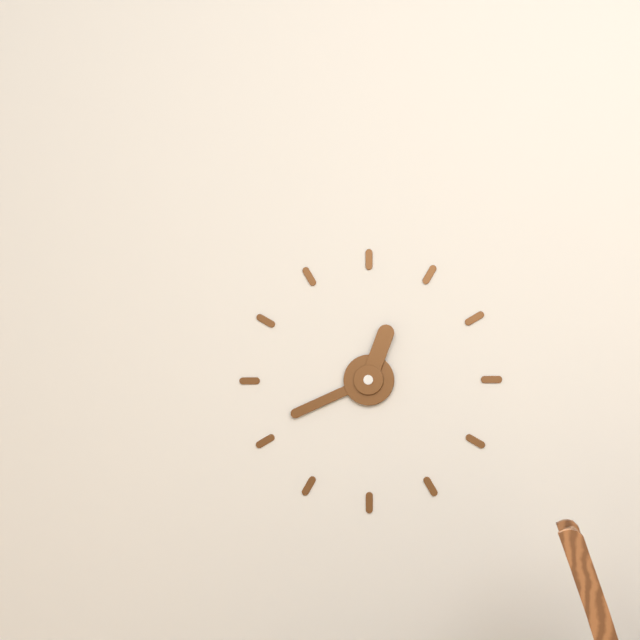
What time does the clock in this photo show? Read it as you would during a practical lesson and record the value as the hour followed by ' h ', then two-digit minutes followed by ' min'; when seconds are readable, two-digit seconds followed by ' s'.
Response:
12 h 41 min
